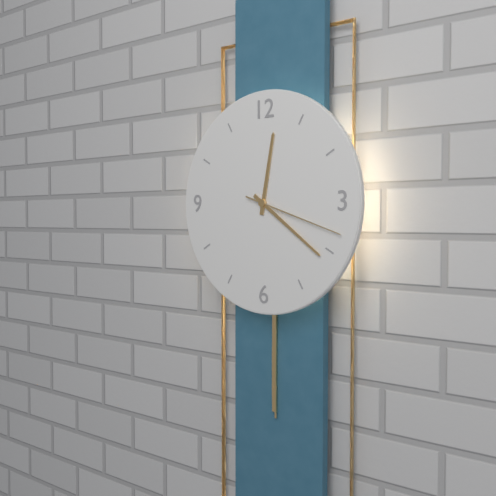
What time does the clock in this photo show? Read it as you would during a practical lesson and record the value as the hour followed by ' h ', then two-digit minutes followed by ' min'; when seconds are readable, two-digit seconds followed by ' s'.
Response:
12 h 21 min 18 s
